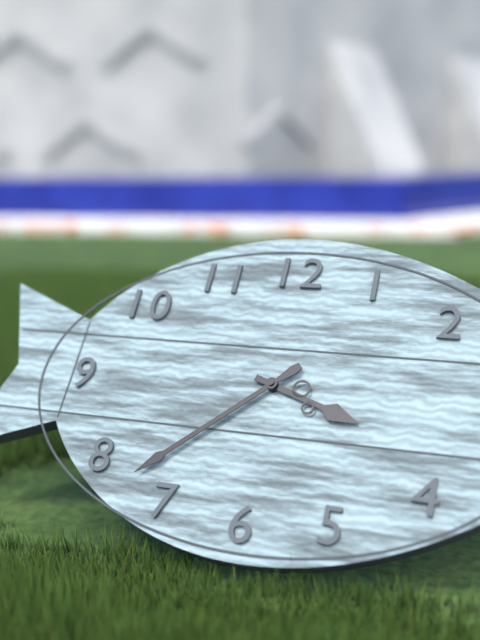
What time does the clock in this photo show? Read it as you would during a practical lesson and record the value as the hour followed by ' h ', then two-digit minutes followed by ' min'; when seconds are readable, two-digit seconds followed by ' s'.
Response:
3 h 38 min
